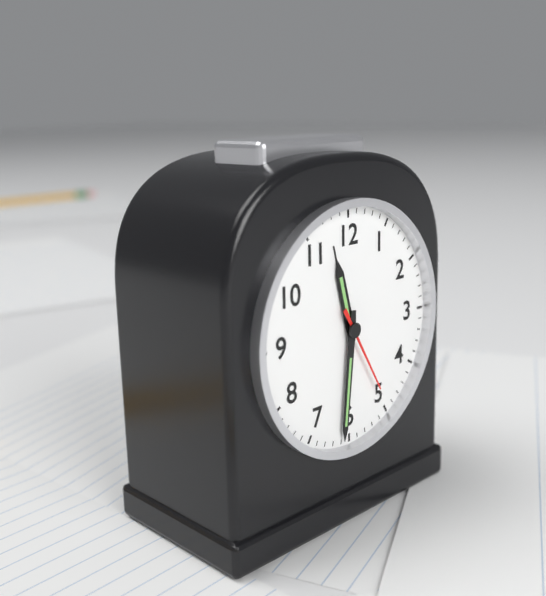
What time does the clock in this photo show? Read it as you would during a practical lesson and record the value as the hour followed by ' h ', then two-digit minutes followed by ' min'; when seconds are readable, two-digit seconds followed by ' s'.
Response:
11 h 31 min 25 s
